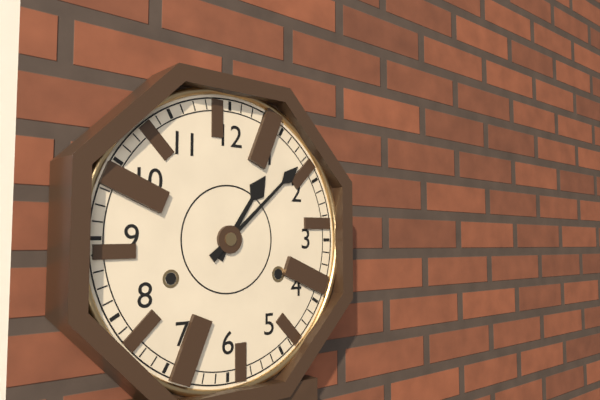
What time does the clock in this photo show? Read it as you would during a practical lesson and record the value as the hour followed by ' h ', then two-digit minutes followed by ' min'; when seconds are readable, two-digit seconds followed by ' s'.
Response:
1 h 08 min
